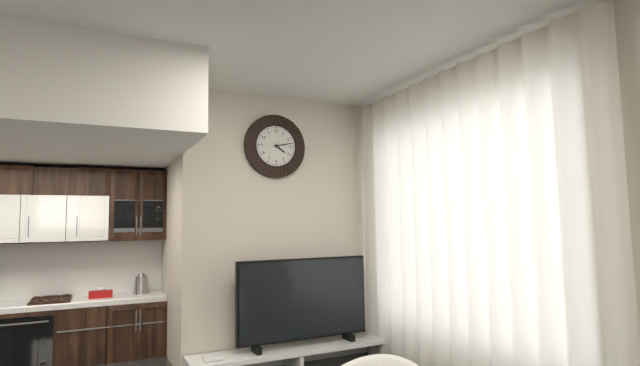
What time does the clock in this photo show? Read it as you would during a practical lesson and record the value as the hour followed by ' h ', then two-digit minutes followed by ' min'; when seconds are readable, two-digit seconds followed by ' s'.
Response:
4 h 13 min
